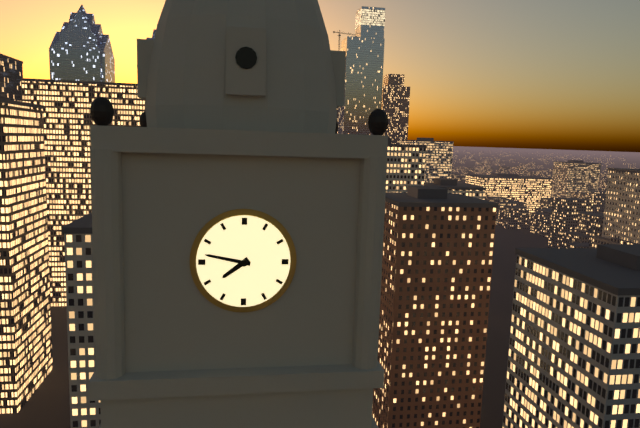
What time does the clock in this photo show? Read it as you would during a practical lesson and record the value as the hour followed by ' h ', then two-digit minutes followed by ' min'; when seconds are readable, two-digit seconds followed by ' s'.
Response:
7 h 47 min
